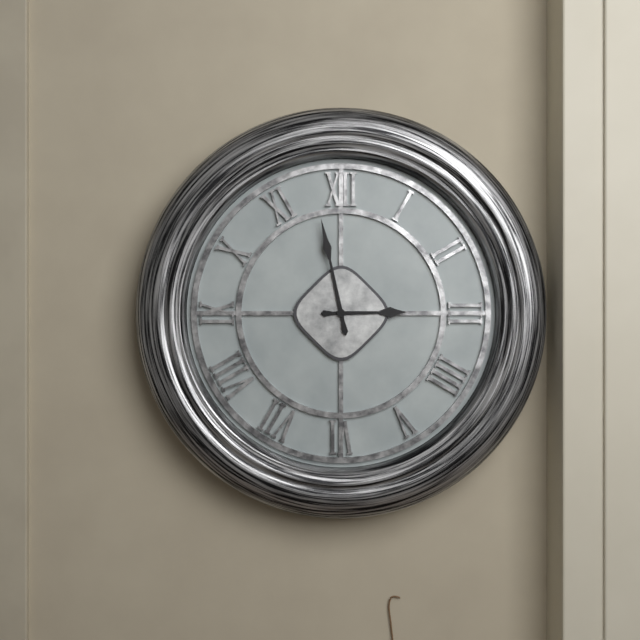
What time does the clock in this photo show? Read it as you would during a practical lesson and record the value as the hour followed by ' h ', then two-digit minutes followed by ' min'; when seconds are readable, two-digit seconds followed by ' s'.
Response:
2 h 58 min
